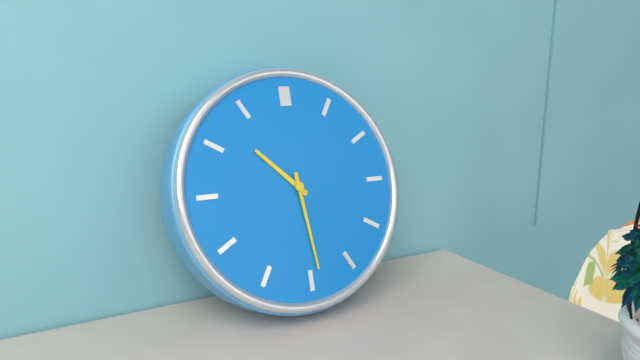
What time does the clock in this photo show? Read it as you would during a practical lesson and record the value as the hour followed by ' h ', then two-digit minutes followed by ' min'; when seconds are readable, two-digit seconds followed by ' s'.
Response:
10 h 29 min
